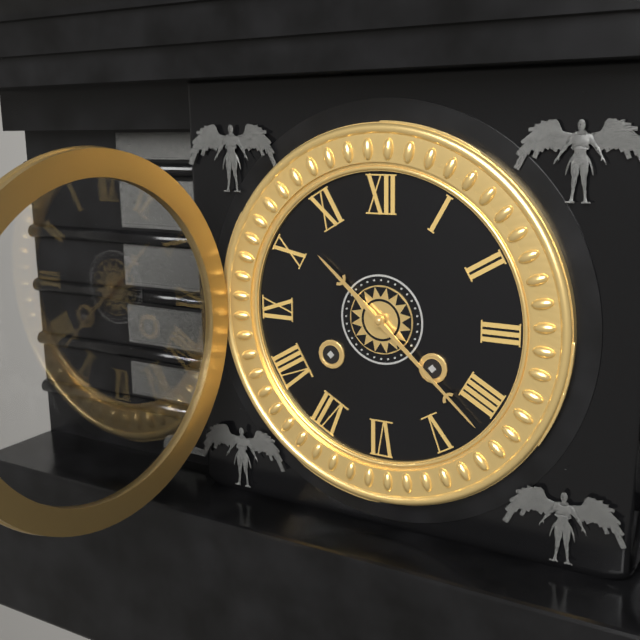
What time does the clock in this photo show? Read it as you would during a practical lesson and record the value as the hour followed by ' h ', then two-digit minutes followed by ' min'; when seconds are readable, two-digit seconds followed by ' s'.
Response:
10 h 22 min
